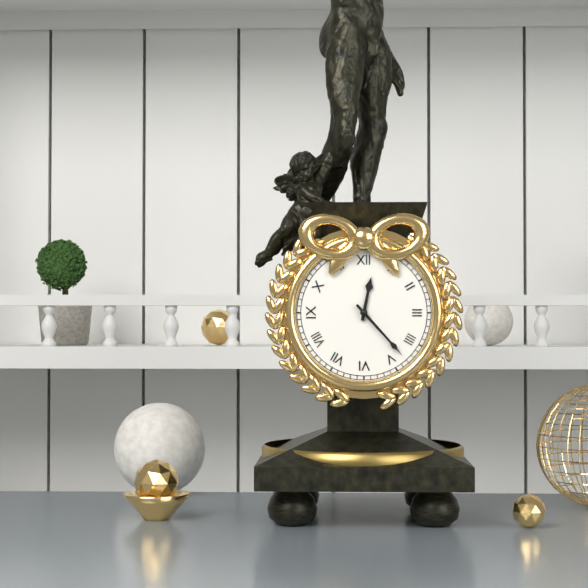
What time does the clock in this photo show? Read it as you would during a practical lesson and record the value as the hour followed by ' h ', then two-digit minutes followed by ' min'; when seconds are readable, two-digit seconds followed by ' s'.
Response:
12 h 23 min
